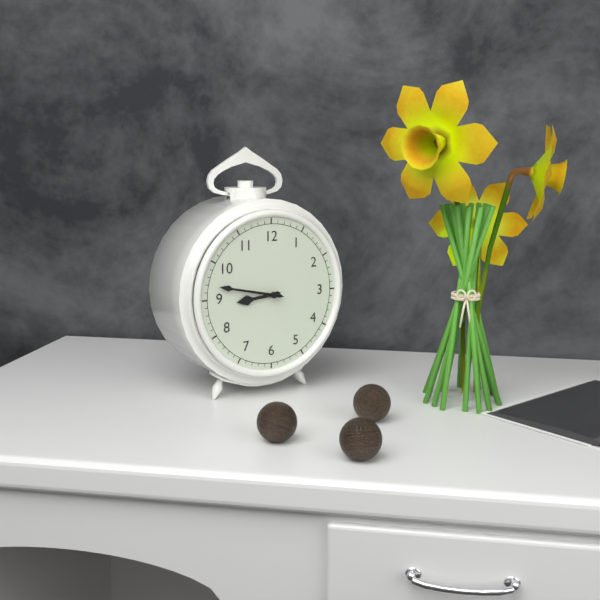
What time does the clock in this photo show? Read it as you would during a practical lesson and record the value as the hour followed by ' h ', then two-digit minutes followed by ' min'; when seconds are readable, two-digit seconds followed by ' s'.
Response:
8 h 47 min
